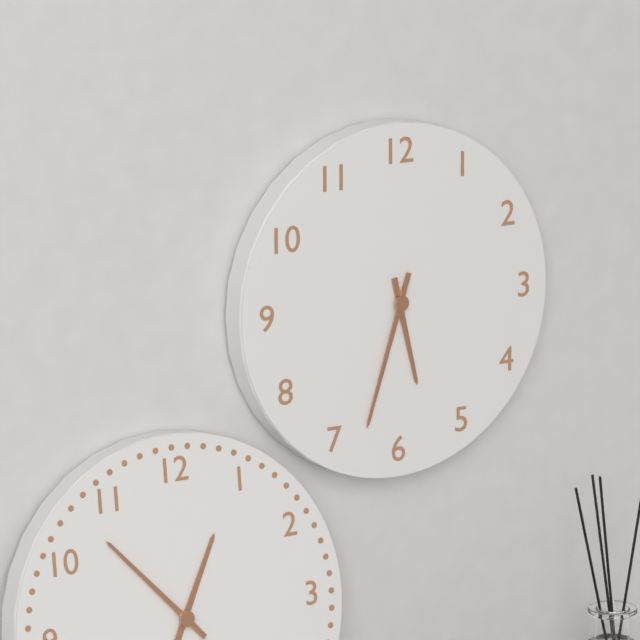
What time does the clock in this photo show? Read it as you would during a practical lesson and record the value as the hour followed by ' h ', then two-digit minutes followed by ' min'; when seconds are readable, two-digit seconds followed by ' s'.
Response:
5 h 33 min
